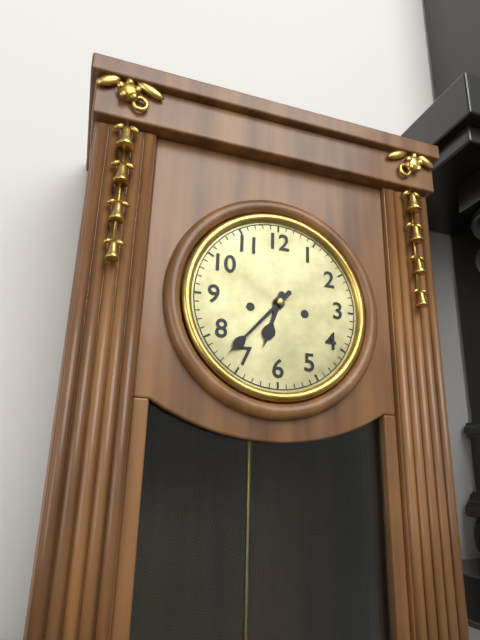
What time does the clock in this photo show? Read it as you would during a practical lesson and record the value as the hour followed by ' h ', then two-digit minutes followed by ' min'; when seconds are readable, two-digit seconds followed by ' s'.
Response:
6 h 37 min
